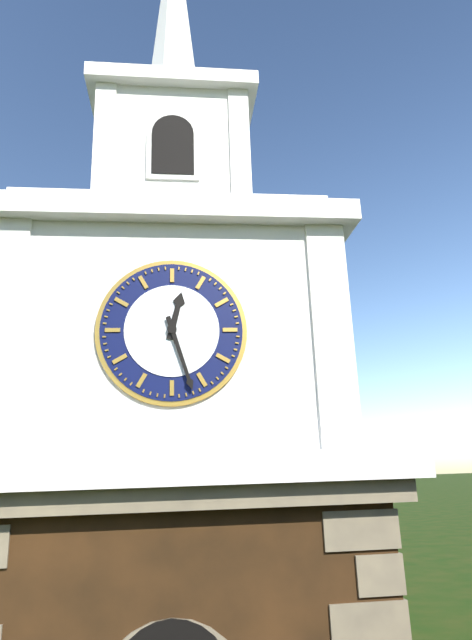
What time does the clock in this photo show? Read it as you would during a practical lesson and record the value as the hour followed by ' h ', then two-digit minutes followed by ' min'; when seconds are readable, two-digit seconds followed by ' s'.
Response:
12 h 27 min
